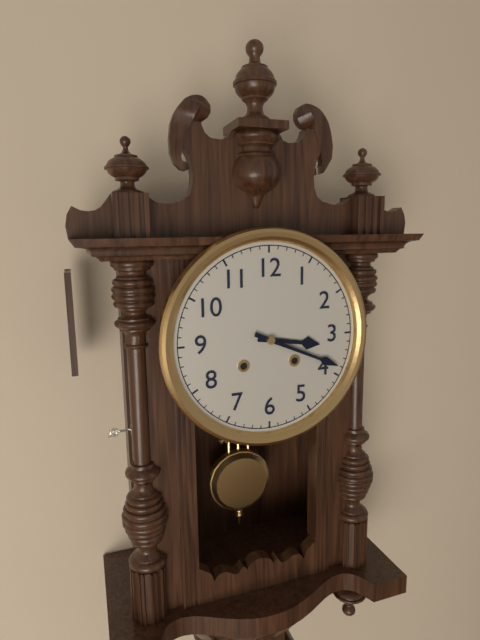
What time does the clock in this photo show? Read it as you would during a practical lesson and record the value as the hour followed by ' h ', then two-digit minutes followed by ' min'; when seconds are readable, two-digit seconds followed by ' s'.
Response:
3 h 19 min
